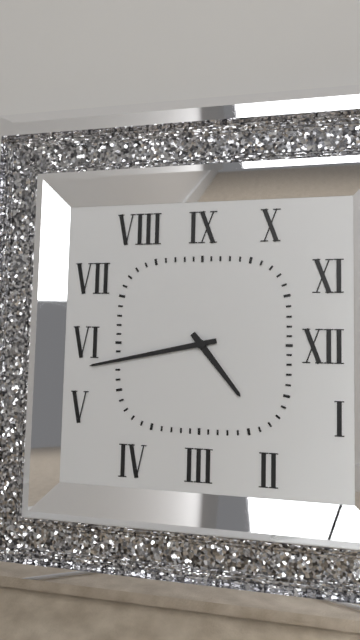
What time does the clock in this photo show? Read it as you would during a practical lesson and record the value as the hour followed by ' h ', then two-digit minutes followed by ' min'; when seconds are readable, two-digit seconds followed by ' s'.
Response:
4 h 43 min
